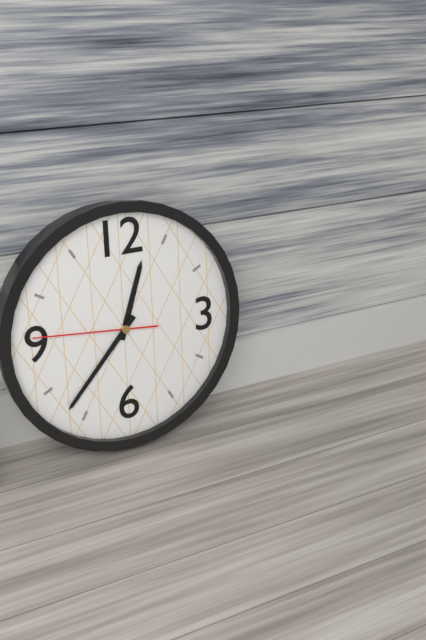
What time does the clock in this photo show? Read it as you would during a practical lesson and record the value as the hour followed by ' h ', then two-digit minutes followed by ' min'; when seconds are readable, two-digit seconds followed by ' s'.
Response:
12 h 37 min 46 s
